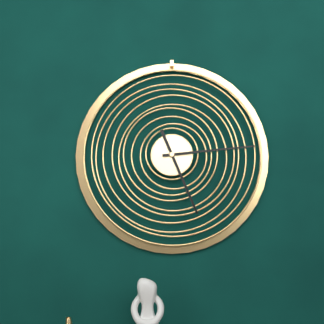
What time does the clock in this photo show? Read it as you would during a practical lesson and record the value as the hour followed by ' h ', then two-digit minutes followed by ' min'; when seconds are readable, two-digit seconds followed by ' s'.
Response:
5 h 14 min
